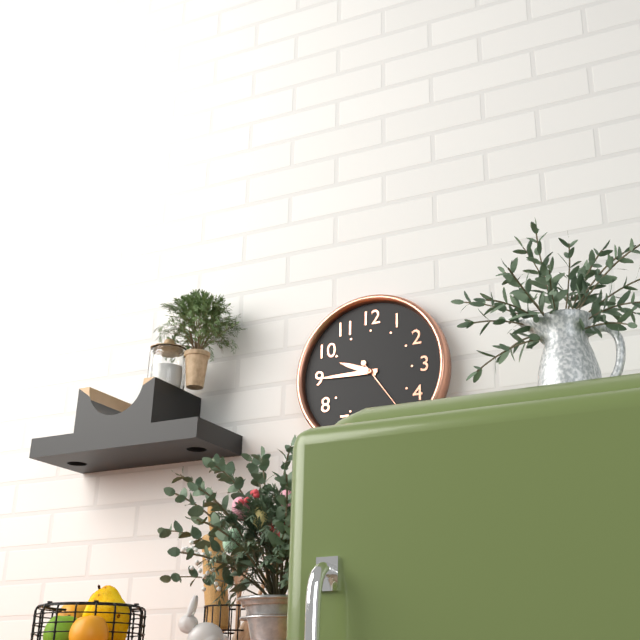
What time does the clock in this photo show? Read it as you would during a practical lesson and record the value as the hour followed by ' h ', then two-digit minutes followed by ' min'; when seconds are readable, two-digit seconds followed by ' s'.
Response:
9 h 45 min 24 s
